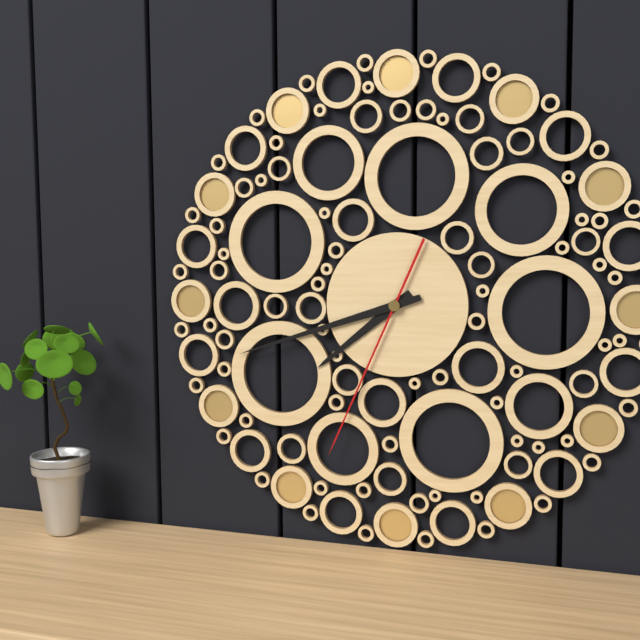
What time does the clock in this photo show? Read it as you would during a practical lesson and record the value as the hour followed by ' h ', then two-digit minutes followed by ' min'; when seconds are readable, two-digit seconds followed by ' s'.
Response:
7 h 42 min 34 s
